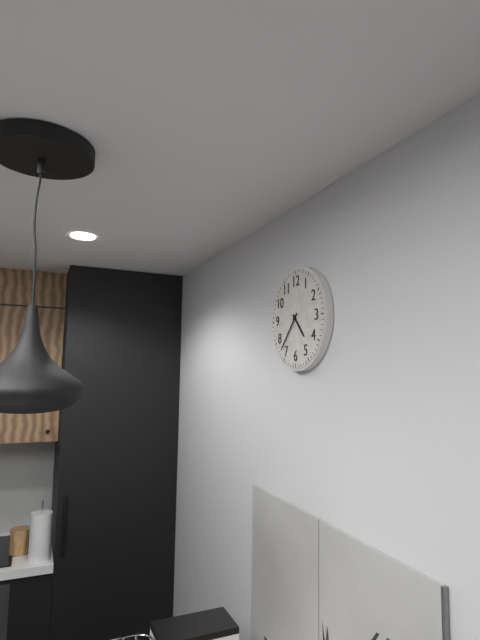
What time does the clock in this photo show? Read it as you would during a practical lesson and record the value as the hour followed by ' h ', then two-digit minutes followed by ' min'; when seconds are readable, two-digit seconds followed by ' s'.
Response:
4 h 37 min
